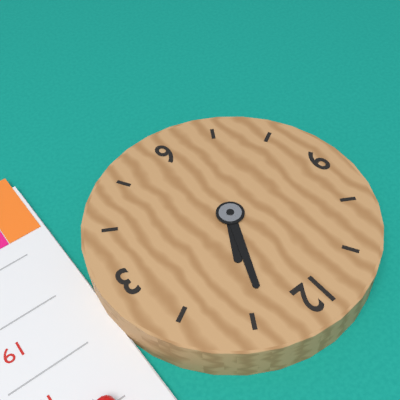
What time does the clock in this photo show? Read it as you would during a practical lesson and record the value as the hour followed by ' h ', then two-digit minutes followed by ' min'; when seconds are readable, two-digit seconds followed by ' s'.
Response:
1 h 04 min
